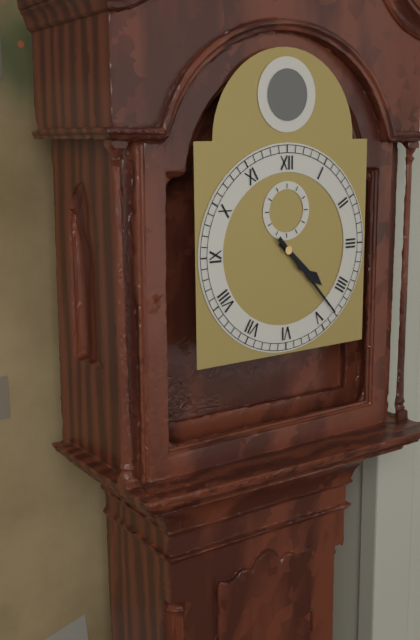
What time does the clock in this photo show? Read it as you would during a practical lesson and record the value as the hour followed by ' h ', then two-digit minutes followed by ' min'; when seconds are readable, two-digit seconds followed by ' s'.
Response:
4 h 23 min
